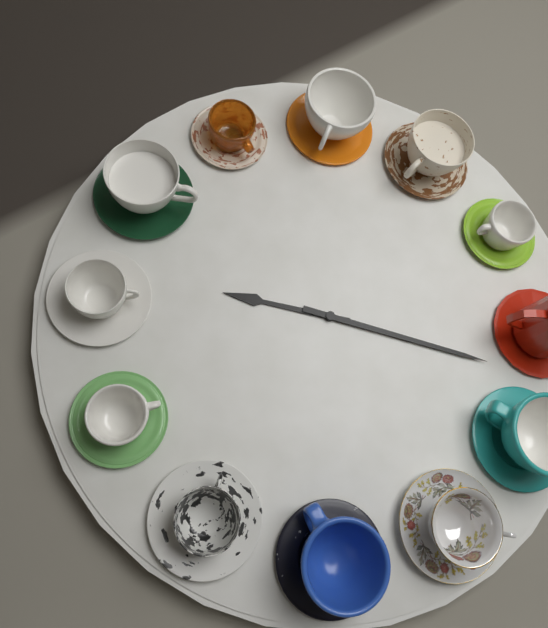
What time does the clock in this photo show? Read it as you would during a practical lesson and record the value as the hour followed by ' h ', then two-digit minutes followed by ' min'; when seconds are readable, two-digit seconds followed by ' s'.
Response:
9 h 17 min
